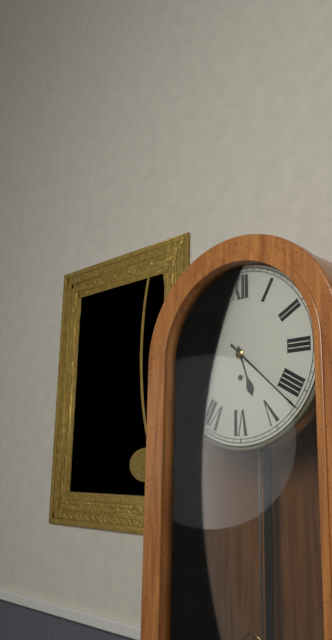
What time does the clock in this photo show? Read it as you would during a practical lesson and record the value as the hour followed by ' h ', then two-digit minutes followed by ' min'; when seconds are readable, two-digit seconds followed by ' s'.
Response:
5 h 22 min
